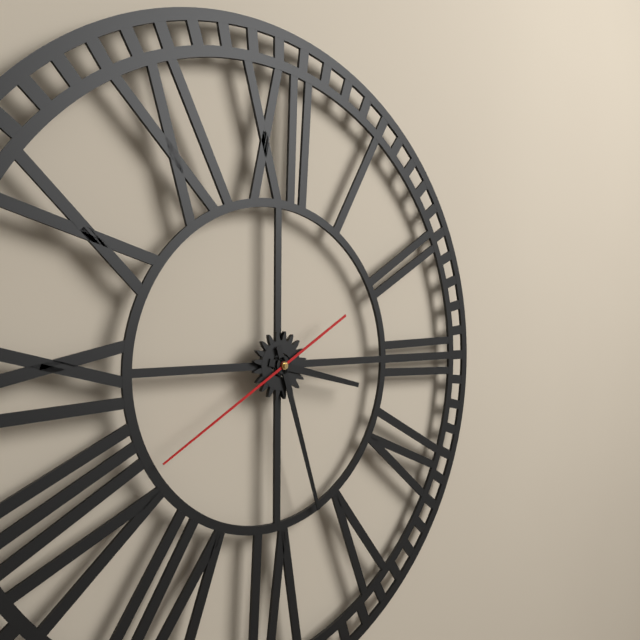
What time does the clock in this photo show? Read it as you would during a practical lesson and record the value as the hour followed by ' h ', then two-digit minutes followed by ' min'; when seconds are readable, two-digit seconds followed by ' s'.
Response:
3 h 27 min 40 s
